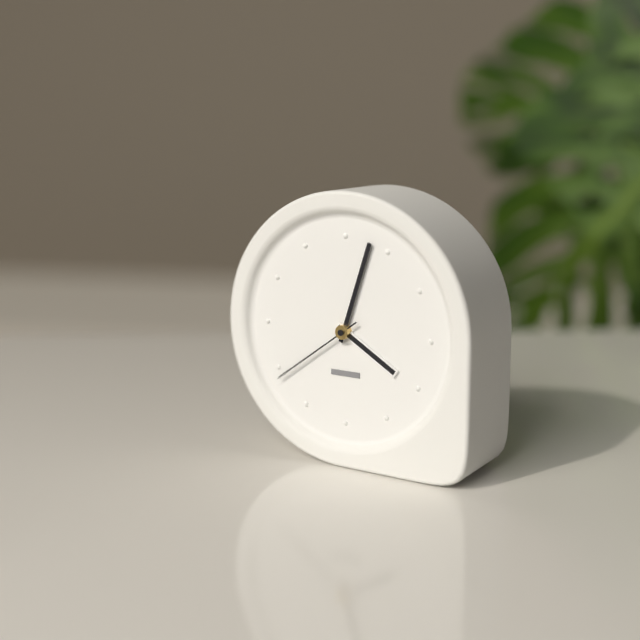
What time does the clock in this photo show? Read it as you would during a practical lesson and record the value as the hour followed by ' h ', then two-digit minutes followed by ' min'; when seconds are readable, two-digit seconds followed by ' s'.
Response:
4 h 03 min 39 s
